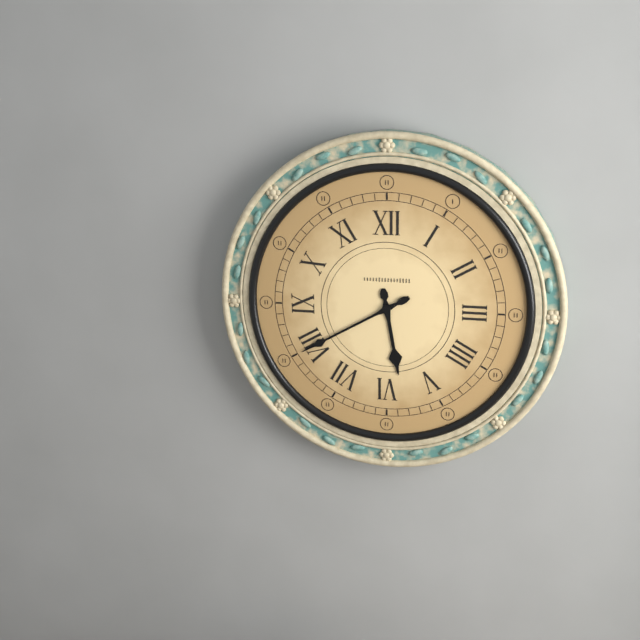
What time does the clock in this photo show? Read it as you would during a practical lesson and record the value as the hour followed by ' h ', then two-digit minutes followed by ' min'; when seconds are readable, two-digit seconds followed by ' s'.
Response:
5 h 40 min
